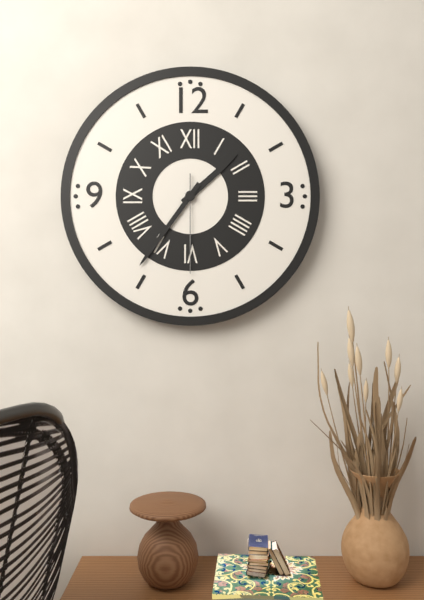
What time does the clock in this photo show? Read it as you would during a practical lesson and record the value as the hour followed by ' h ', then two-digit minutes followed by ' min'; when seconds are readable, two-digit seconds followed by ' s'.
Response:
1 h 36 min 30 s
